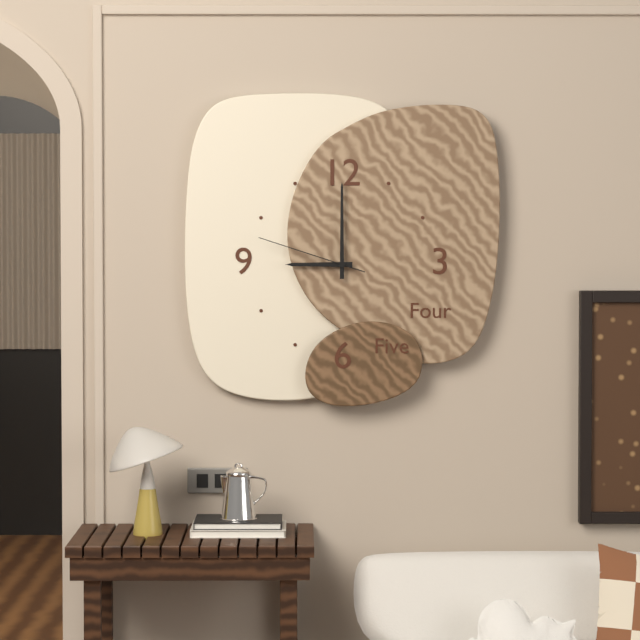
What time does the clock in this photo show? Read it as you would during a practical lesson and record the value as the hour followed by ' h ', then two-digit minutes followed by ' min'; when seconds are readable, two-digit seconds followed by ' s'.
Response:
9 h 00 min 48 s
